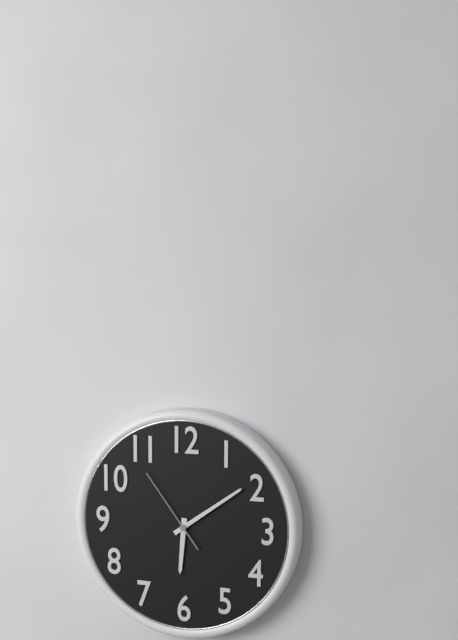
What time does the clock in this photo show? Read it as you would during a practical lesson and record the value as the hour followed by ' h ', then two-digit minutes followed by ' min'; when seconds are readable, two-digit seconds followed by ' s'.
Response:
6 h 09 min 54 s
